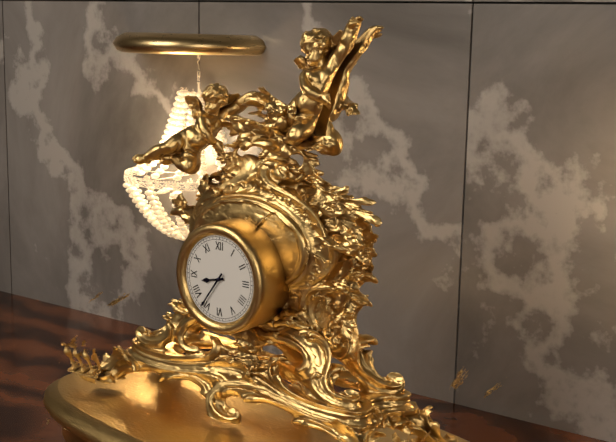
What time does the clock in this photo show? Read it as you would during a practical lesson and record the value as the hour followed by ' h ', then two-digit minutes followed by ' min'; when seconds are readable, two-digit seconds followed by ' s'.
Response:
8 h 36 min
